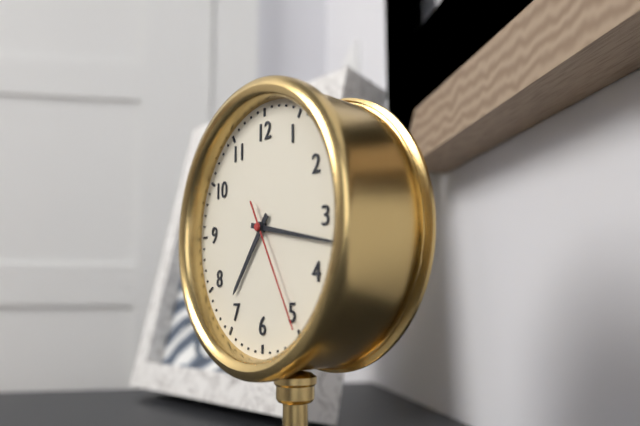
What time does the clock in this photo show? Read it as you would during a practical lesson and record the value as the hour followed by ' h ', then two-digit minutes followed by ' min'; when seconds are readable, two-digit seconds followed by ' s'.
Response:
7 h 17 min 25 s
